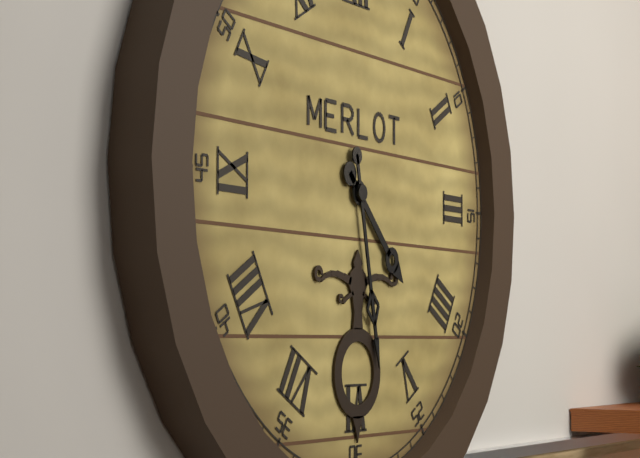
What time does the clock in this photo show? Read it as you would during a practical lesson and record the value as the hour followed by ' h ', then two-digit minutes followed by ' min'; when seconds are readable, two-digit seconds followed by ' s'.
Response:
4 h 28 min
